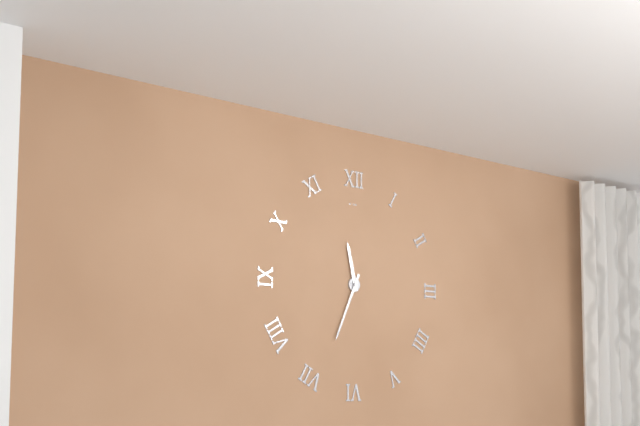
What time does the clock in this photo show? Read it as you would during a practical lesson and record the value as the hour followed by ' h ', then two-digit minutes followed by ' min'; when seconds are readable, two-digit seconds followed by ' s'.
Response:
11 h 34 min
